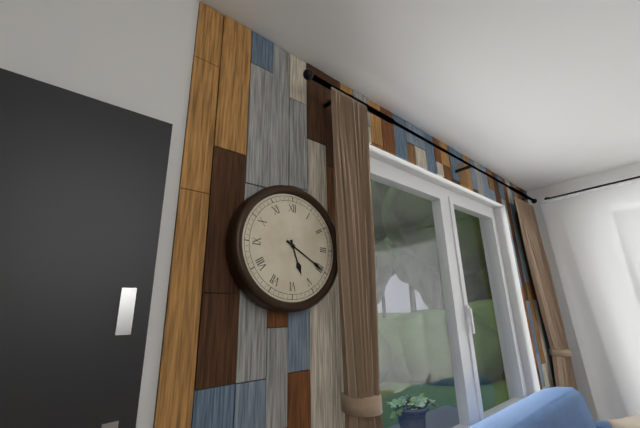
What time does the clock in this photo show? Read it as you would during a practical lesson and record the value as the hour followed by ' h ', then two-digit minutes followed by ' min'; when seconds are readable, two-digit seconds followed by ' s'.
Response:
5 h 20 min
